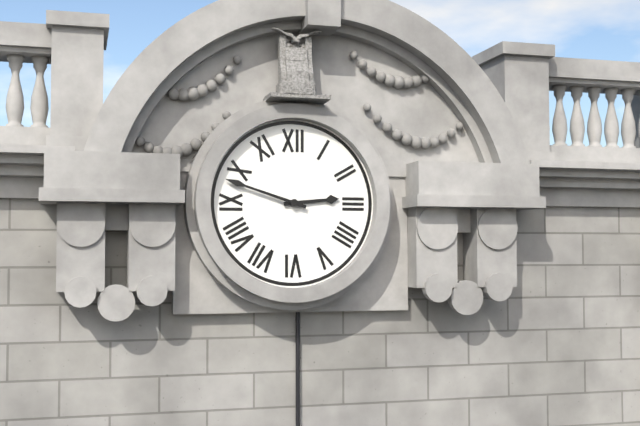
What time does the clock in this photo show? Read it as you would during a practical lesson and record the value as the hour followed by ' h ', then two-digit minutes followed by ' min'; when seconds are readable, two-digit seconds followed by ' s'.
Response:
2 h 48 min
